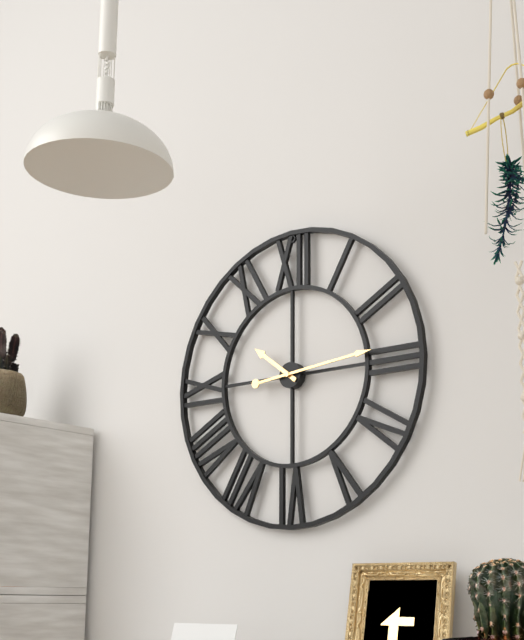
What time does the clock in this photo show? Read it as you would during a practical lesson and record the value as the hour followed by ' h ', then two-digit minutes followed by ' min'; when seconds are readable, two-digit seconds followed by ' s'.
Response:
10 h 14 min
